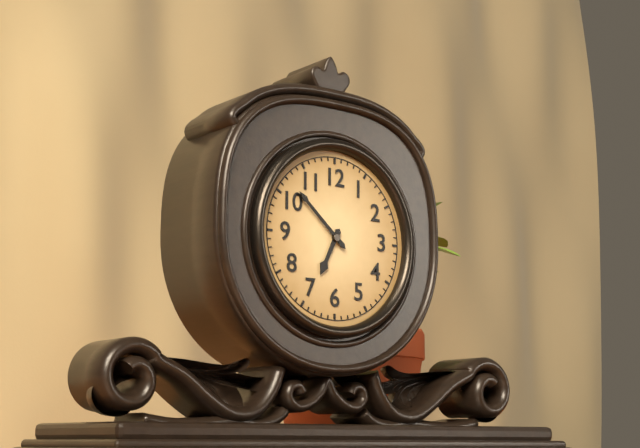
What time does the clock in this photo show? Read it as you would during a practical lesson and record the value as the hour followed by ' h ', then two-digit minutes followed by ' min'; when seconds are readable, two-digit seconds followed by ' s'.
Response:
6 h 52 min
